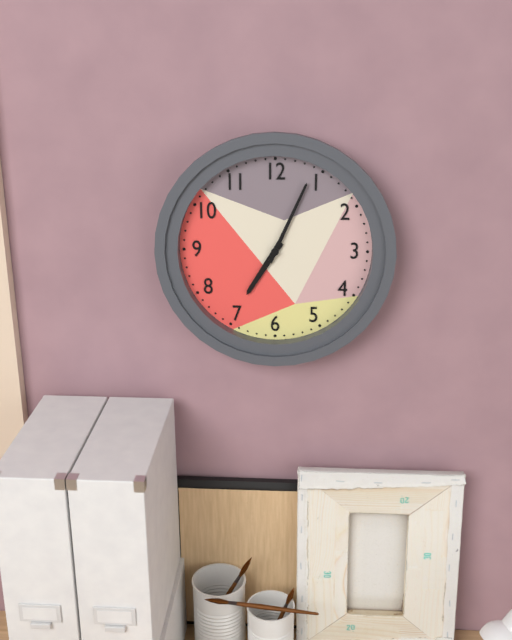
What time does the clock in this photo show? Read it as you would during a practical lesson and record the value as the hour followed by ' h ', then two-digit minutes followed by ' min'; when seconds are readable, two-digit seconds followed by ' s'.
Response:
7 h 04 min
